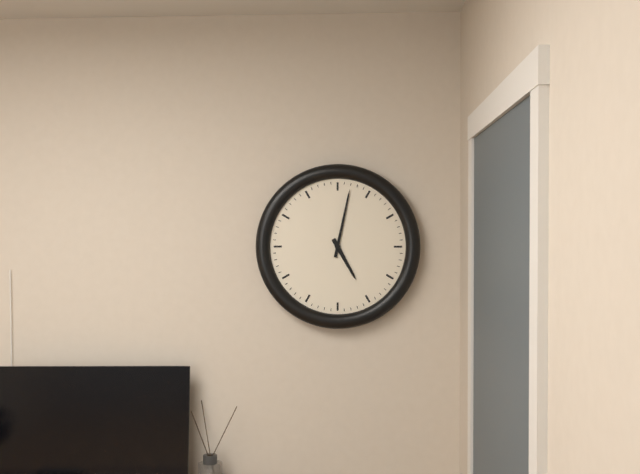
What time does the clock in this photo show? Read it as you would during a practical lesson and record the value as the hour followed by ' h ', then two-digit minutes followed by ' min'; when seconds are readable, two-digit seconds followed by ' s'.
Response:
5 h 02 min
